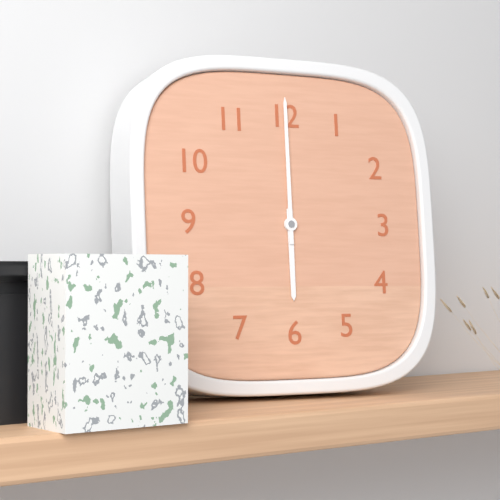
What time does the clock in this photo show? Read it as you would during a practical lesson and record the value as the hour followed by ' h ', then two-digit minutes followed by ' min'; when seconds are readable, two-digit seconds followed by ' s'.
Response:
6 h 00 min
